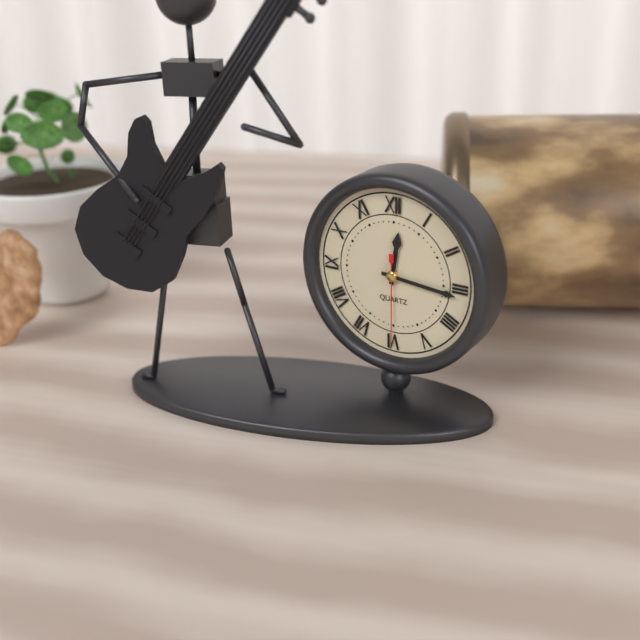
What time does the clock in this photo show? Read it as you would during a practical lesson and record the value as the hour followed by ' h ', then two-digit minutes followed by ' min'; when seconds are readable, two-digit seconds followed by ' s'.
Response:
12 h 16 min 30 s
